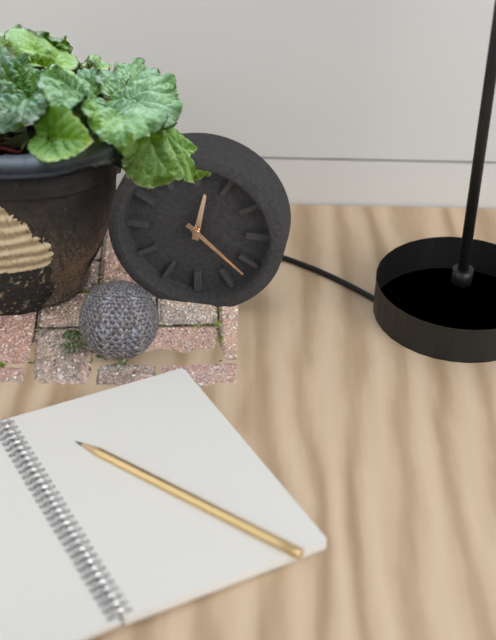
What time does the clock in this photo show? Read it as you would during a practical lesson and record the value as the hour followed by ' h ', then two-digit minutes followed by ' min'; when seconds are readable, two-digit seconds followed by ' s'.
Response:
12 h 22 min
